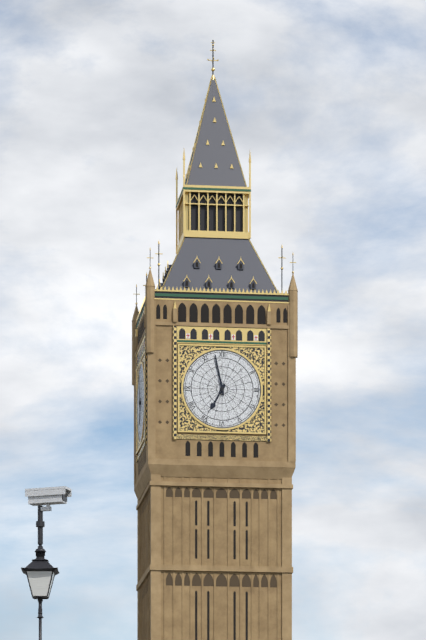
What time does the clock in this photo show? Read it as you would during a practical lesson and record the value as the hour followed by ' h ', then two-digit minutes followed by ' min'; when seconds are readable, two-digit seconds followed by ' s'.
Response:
6 h 58 min
